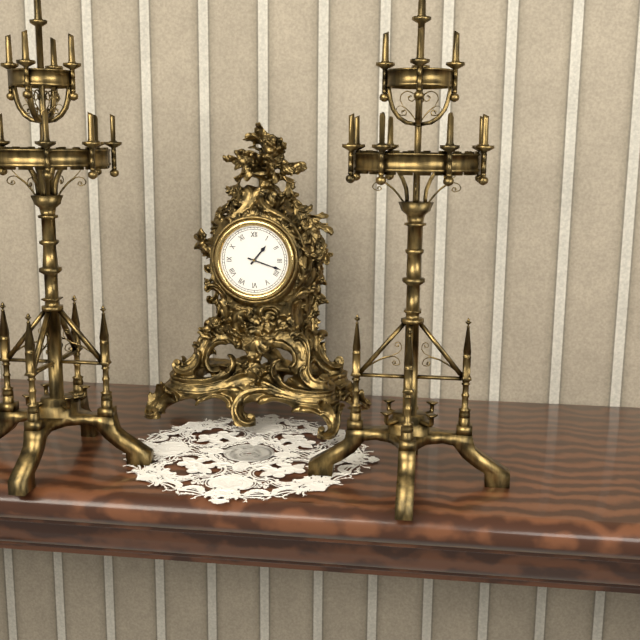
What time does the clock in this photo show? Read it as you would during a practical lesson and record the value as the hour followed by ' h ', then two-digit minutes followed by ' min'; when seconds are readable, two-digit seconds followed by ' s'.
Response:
1 h 18 min
